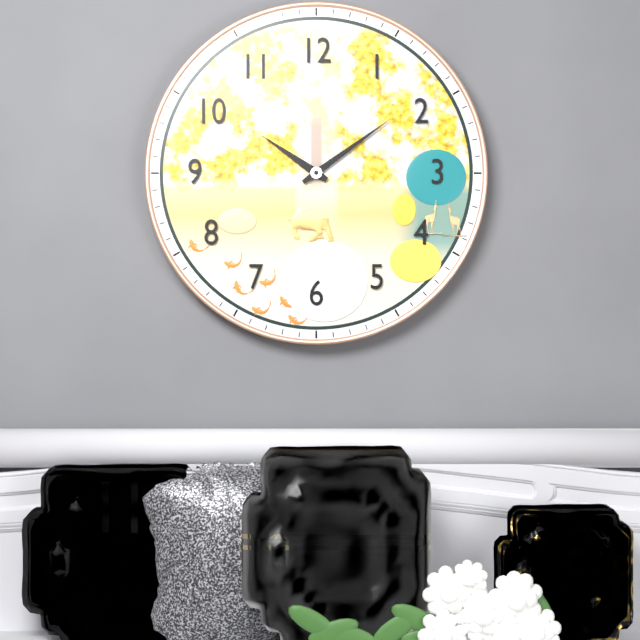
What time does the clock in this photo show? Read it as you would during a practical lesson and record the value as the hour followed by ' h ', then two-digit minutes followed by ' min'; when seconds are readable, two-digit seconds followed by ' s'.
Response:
10 h 09 min
